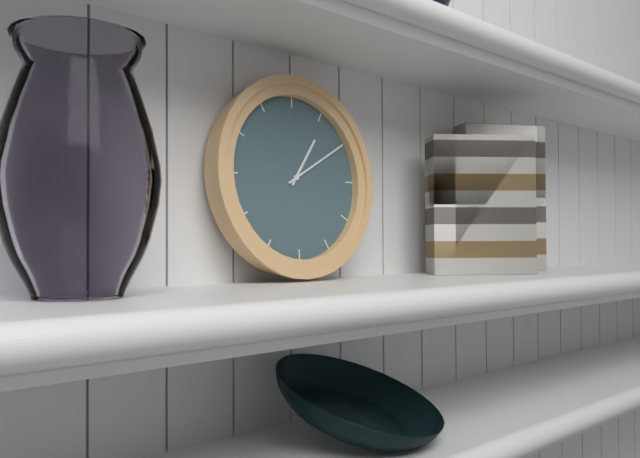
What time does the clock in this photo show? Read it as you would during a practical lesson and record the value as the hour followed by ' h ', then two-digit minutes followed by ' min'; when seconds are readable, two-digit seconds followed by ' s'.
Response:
1 h 10 min
